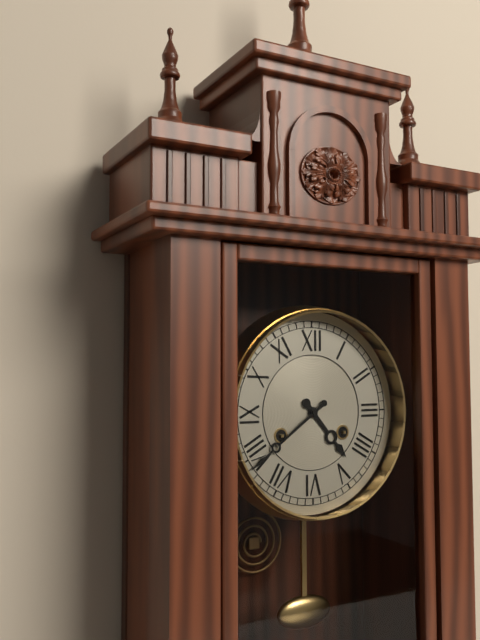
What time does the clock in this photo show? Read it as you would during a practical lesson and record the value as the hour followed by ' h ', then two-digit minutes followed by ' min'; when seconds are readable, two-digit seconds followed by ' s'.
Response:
4 h 39 min
